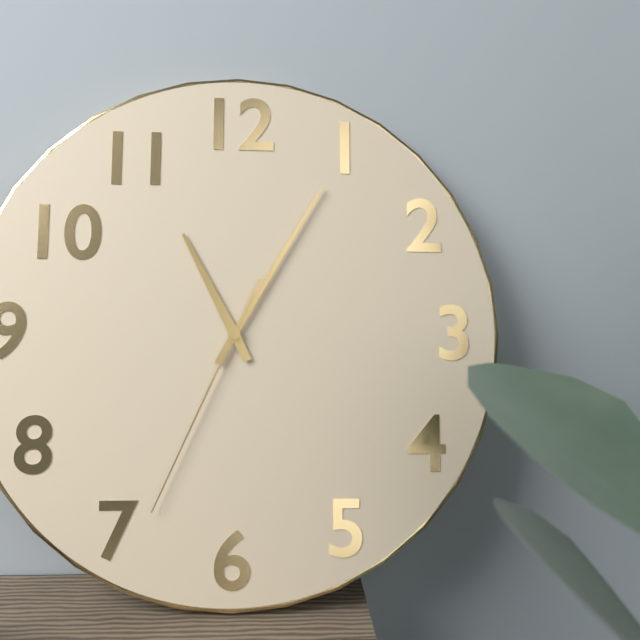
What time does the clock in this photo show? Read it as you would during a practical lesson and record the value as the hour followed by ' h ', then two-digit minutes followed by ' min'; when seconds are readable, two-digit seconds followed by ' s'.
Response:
11 h 05 min 34 s
